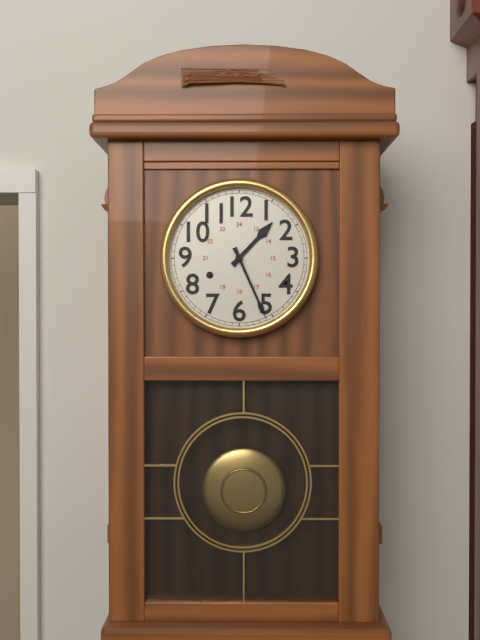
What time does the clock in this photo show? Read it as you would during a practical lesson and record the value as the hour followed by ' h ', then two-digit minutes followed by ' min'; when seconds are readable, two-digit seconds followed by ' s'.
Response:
1 h 26 min
